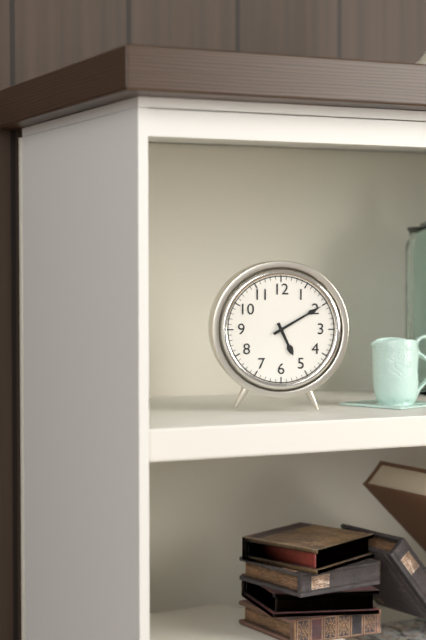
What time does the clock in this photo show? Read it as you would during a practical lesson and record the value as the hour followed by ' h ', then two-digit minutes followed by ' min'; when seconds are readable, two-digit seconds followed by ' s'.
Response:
5 h 10 min
